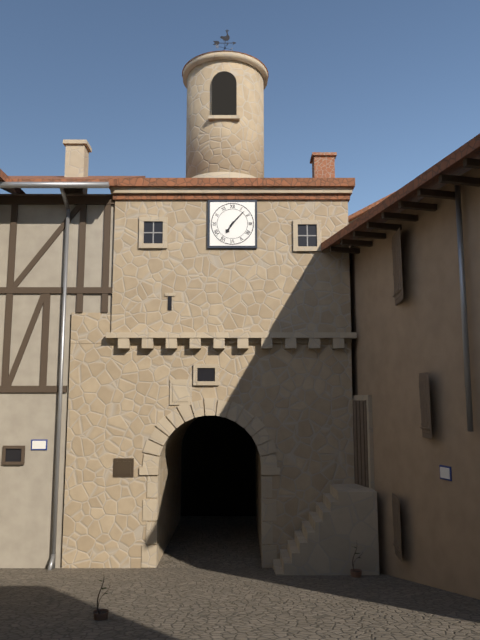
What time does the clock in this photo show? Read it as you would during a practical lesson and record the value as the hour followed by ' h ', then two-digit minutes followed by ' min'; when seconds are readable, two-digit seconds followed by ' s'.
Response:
7 h 07 min
